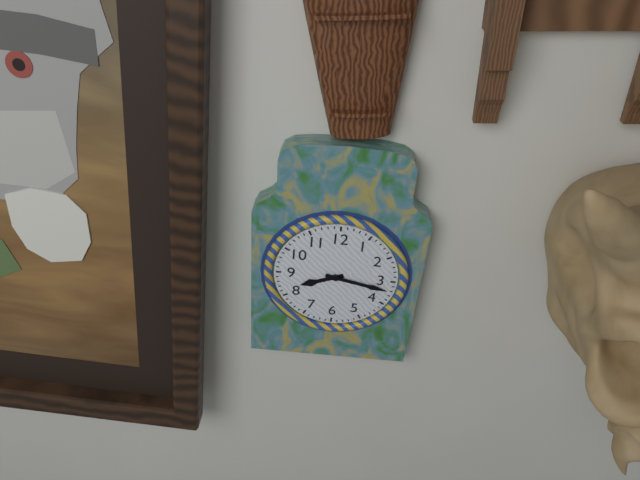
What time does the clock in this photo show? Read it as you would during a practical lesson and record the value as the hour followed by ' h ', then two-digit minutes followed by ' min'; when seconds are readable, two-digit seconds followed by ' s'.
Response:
8 h 17 min
